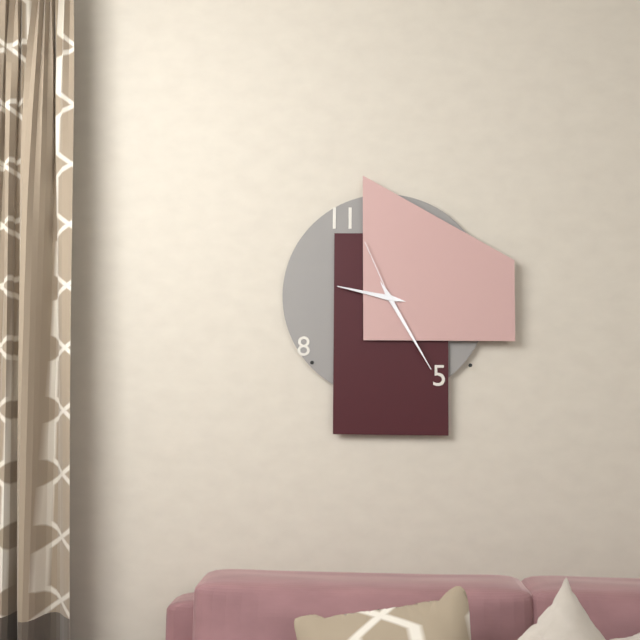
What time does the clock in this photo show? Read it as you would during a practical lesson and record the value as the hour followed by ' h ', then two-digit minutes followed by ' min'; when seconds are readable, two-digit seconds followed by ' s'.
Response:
9 h 25 min 56 s
